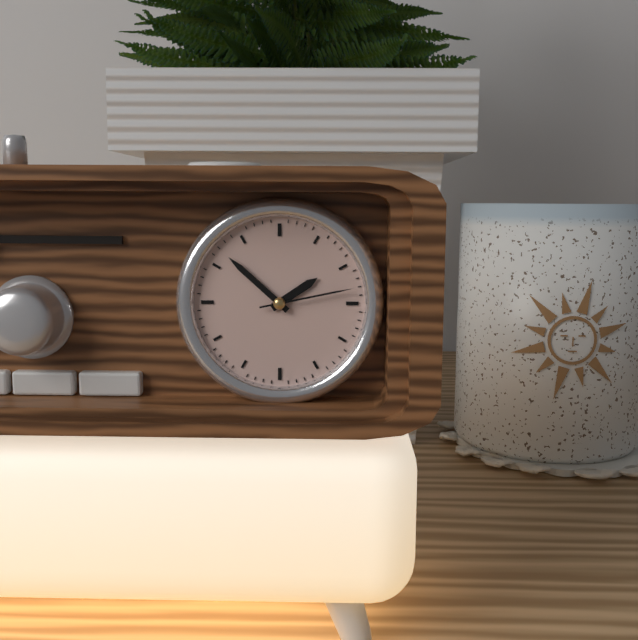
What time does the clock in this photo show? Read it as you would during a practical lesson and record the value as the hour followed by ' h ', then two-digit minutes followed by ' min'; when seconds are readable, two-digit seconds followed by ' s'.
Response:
1 h 52 min 13 s
